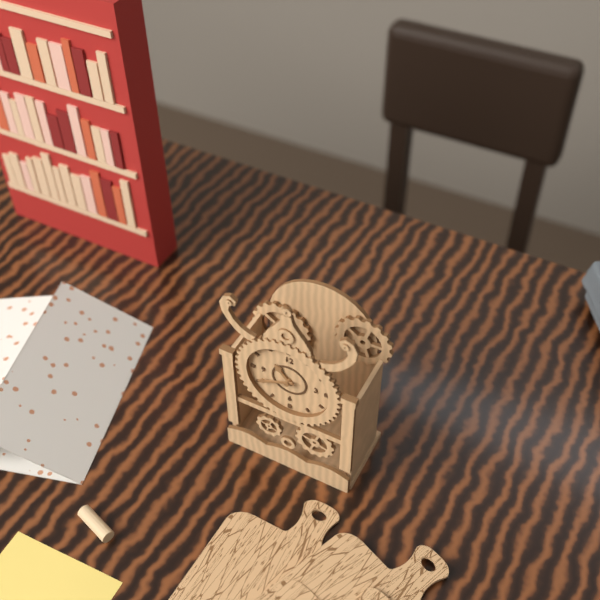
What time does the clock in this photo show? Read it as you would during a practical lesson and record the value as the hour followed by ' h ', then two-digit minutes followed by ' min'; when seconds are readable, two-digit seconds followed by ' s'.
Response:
10 h 41 min
